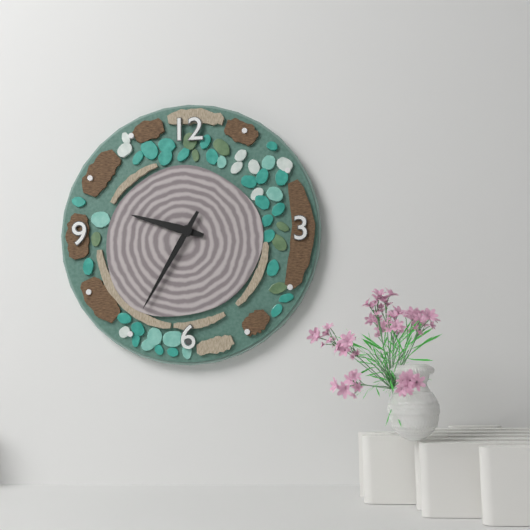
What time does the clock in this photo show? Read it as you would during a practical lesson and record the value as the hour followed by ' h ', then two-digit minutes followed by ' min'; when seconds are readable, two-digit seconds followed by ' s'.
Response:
9 h 35 min
